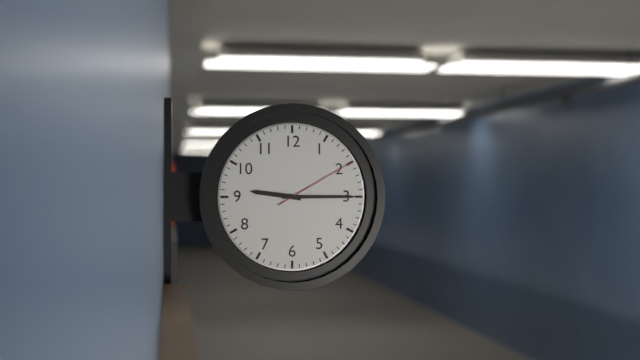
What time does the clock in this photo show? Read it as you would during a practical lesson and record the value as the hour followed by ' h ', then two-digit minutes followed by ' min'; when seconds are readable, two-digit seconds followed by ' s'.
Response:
9 h 15 min 10 s
